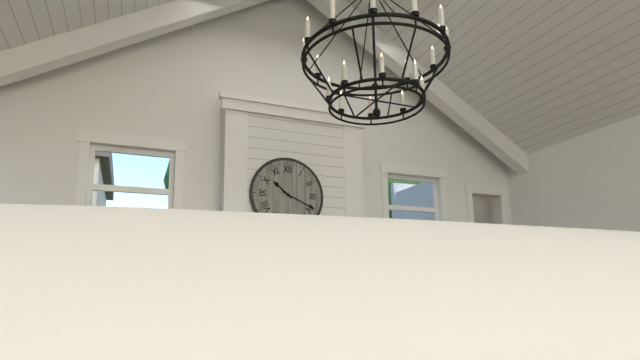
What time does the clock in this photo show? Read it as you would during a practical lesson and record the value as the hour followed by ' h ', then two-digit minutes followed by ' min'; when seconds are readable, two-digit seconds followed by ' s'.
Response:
10 h 19 min
